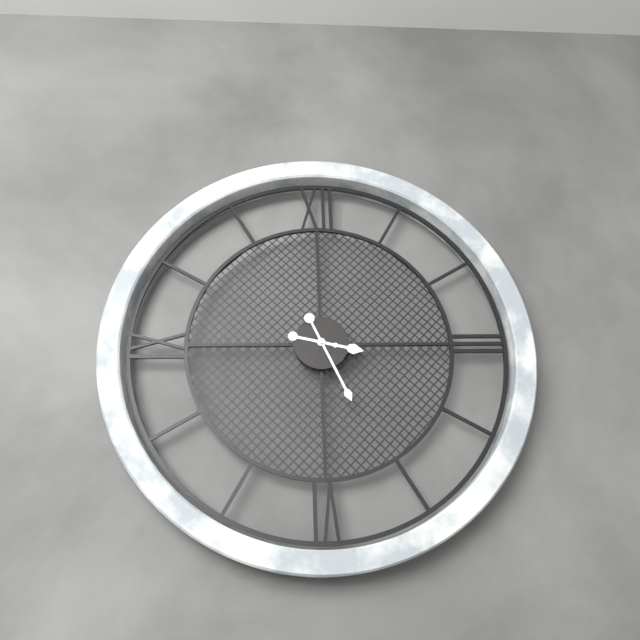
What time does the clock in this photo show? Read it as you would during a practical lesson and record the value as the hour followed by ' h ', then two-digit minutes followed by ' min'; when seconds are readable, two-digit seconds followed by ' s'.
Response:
3 h 26 min
